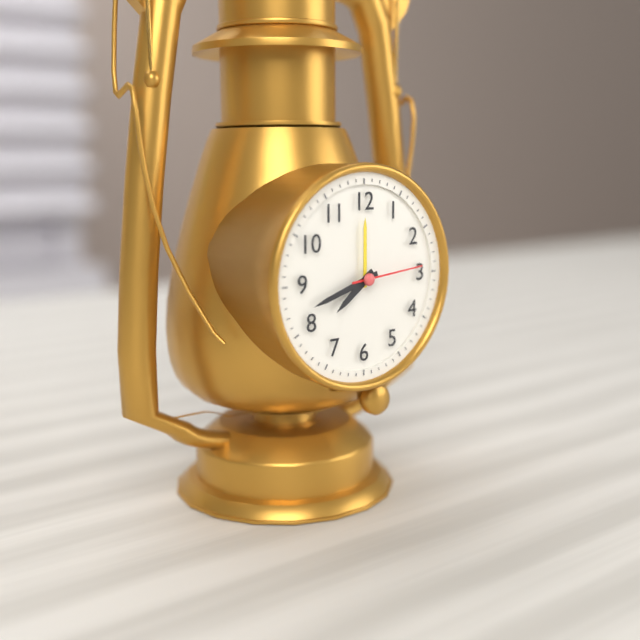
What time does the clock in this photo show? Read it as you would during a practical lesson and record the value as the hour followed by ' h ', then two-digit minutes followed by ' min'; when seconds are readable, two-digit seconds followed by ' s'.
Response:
7 h 42 min 14 s
